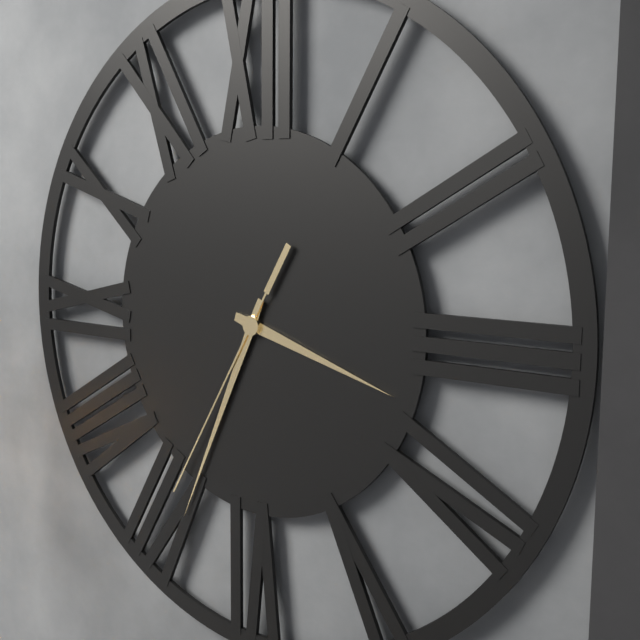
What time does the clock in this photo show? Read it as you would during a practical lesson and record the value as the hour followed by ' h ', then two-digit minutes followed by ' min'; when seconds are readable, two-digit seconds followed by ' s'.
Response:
3 h 34 min 35 s
